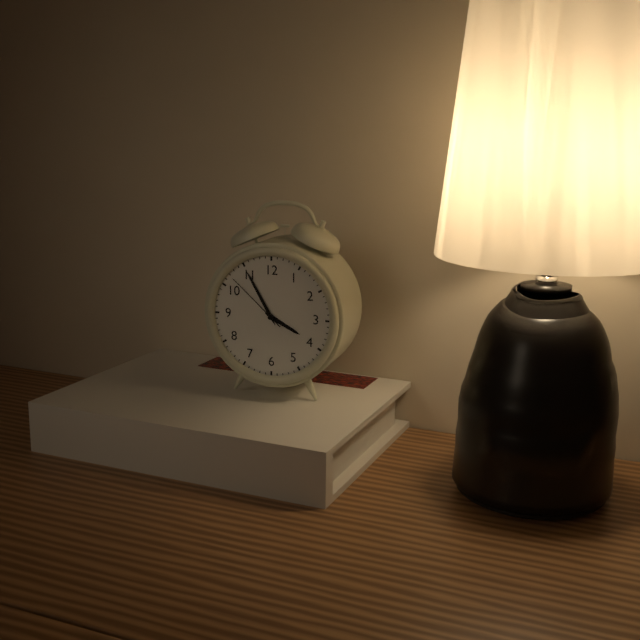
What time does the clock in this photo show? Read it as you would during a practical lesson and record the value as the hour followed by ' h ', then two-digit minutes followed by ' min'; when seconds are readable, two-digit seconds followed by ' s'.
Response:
3 h 55 min 52 s
